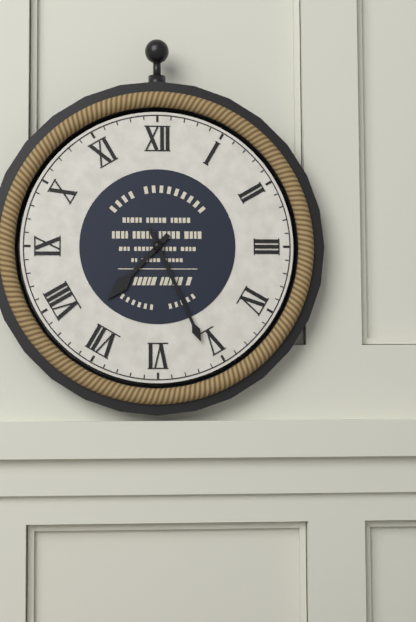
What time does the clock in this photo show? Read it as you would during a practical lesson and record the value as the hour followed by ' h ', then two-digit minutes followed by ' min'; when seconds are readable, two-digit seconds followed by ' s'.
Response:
7 h 26 min
